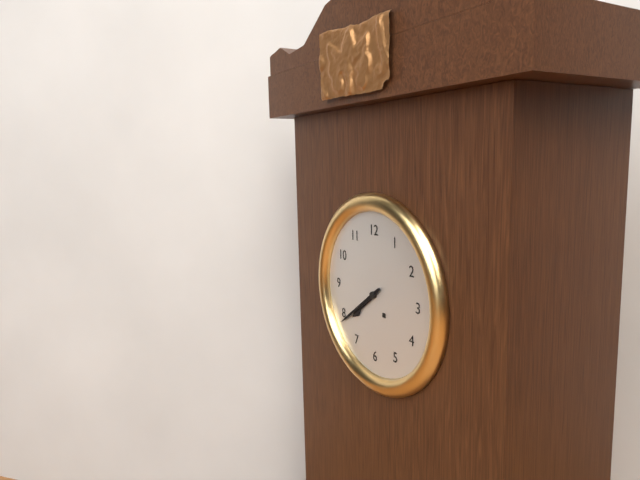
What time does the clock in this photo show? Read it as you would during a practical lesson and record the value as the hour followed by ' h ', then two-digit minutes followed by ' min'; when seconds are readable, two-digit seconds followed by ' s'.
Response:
7 h 39 min
